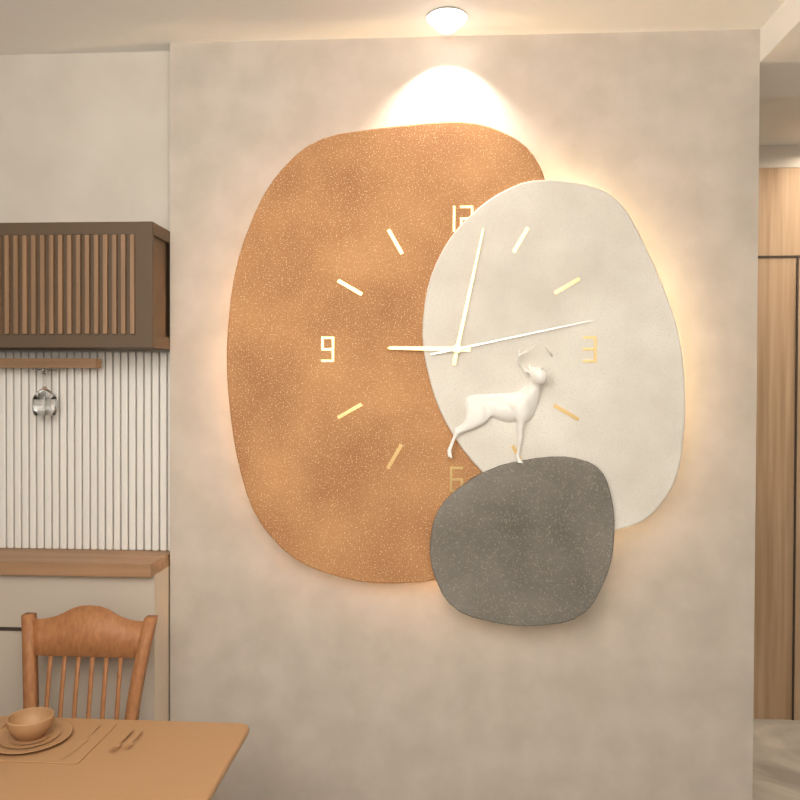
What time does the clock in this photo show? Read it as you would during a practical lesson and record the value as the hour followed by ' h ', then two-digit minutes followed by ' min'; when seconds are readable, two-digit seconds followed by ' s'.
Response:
9 h 02 min 13 s
